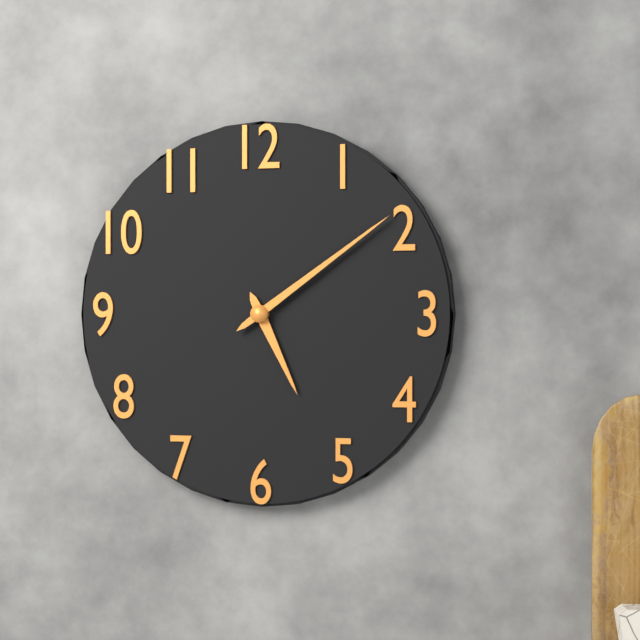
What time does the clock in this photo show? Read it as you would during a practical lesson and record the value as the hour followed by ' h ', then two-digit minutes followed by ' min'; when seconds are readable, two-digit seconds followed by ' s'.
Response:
5 h 09 min
